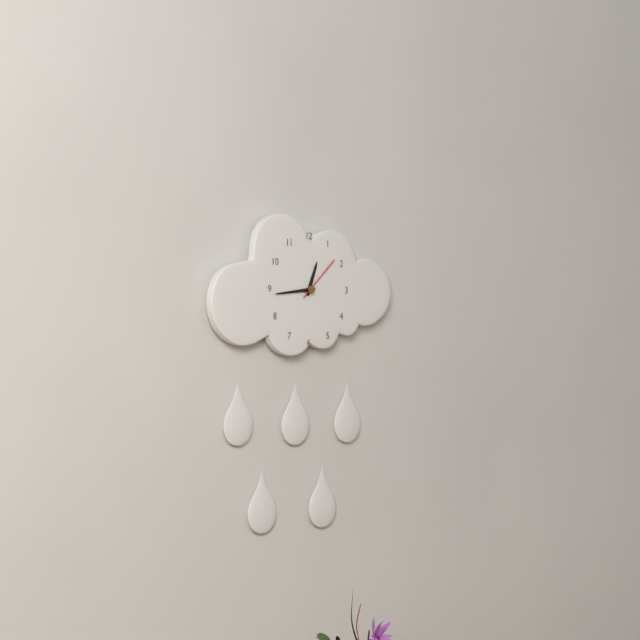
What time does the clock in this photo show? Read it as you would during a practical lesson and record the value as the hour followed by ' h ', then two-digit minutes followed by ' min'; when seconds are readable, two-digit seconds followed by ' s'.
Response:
12 h 44 min
